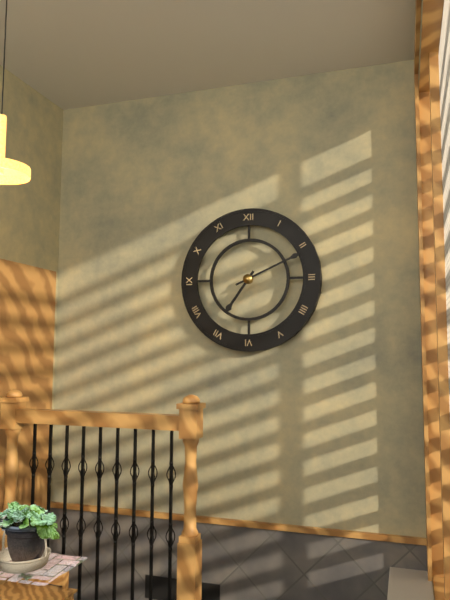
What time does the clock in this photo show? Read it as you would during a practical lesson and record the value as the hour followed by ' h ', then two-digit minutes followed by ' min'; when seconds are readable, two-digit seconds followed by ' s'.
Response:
7 h 11 min
